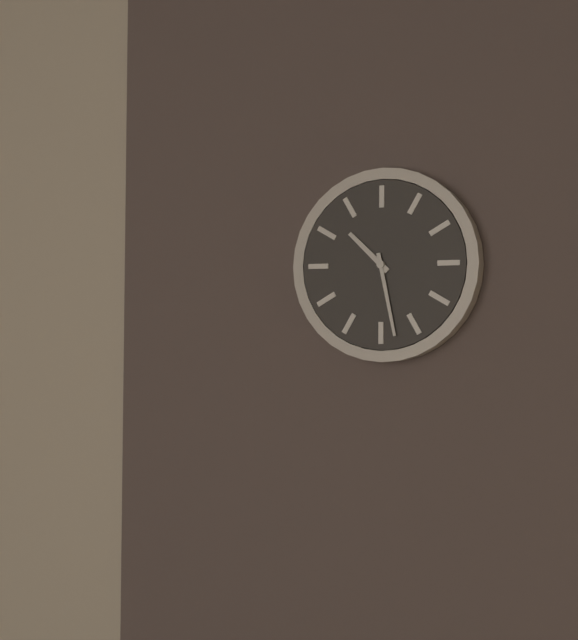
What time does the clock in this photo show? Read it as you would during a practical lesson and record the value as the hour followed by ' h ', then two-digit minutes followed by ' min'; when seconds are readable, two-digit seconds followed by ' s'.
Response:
10 h 28 min
